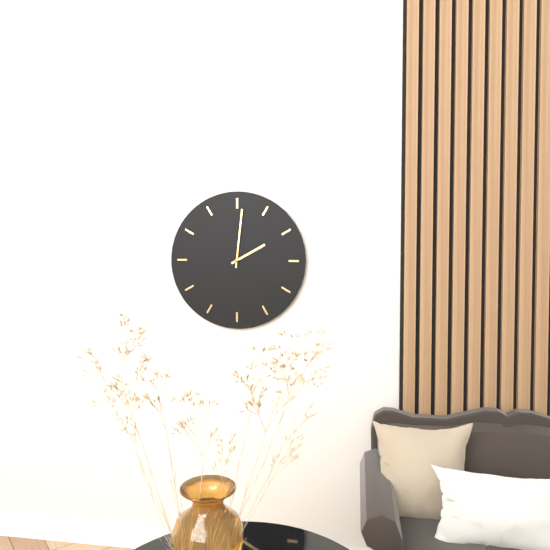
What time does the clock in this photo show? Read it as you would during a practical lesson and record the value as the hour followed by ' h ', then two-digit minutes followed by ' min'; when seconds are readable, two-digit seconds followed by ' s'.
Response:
2 h 01 min
